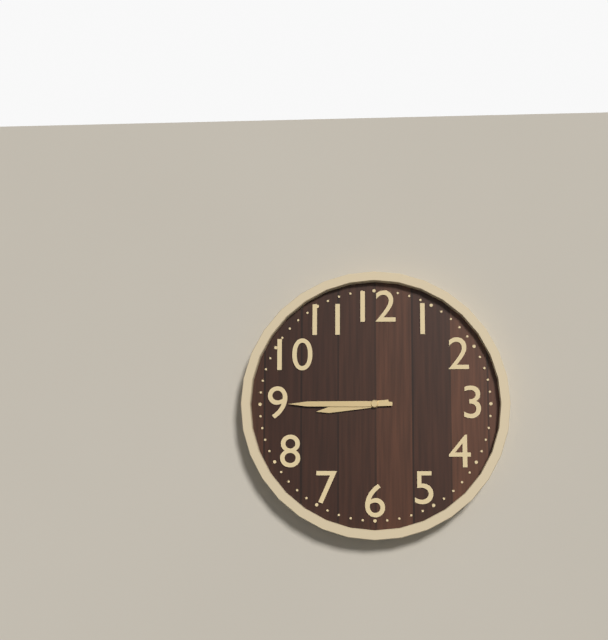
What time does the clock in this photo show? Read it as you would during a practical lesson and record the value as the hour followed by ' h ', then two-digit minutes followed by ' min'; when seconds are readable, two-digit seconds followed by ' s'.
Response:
8 h 45 min
